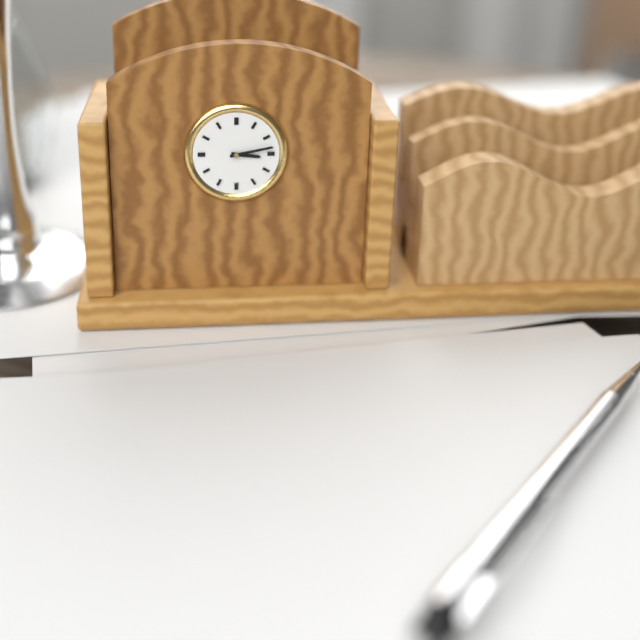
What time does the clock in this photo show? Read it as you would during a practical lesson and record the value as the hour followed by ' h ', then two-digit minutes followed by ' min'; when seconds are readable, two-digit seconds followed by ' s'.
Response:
3 h 13 min
